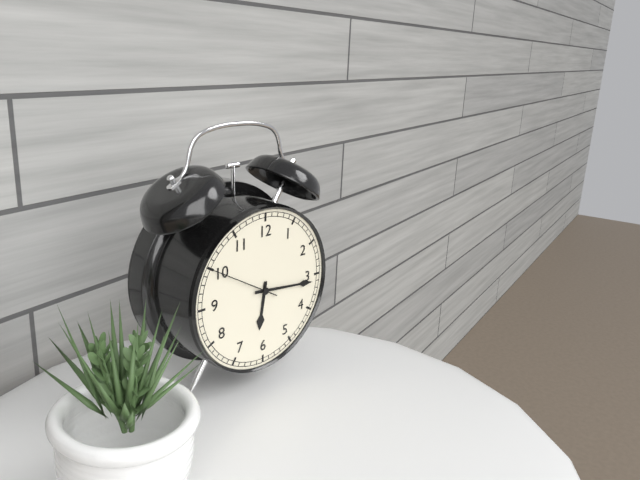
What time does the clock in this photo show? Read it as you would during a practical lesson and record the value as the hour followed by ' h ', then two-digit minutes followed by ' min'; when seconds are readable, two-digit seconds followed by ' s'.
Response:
6 h 16 min
